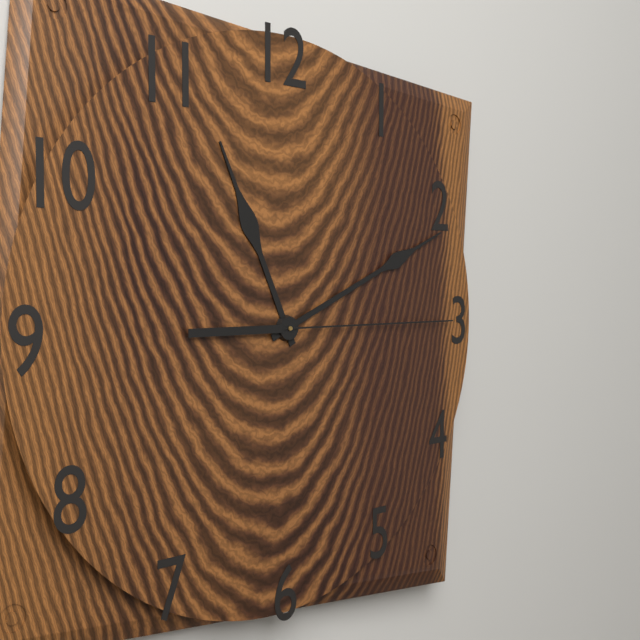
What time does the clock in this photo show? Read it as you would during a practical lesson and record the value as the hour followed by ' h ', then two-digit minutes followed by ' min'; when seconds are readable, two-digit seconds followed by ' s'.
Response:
11 h 11 min 15 s
